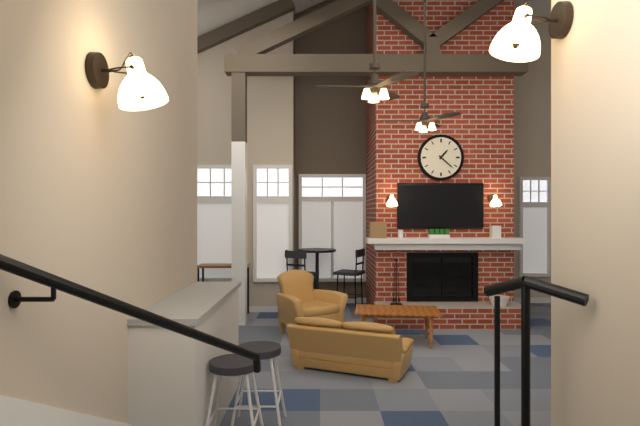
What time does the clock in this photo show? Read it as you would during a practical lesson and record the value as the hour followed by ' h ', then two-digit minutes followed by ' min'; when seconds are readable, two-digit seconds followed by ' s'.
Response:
1 h 22 min
